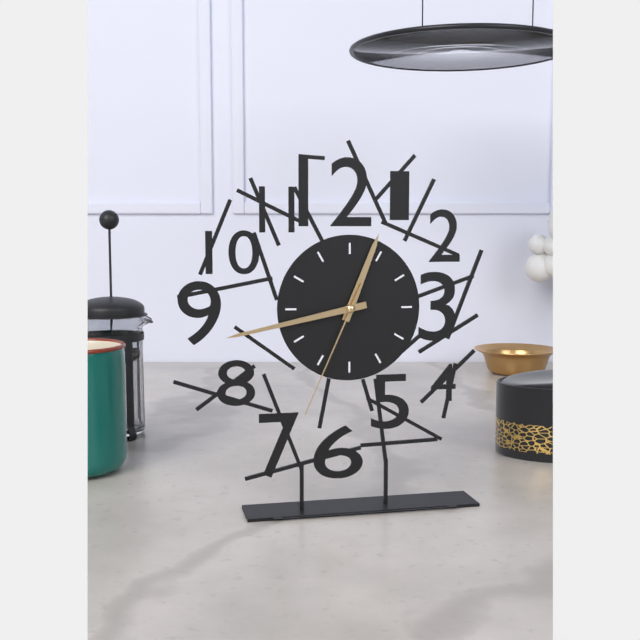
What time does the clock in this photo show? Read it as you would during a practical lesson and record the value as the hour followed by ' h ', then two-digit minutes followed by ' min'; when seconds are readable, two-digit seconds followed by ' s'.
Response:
12 h 43 min 34 s
